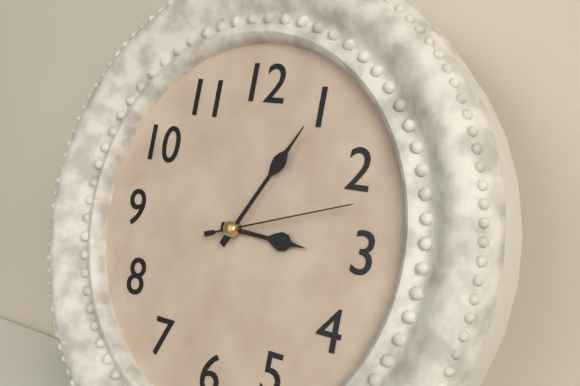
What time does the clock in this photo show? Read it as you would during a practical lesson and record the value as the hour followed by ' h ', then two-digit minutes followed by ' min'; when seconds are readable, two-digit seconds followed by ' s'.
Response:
3 h 05 min 12 s
